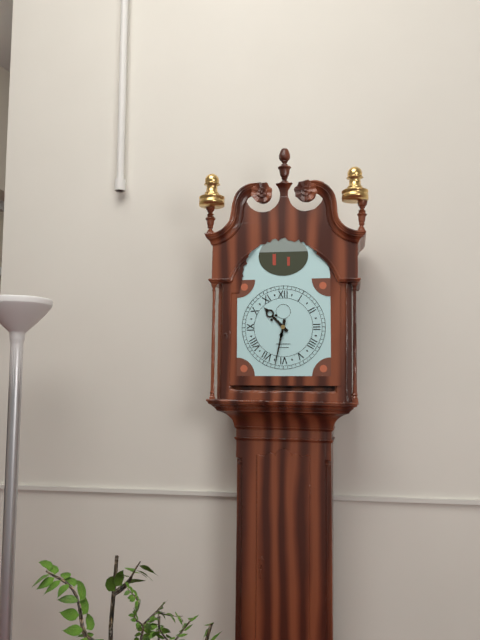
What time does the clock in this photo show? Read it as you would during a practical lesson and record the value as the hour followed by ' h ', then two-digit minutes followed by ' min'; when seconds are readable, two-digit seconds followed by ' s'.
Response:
10 h 32 min
